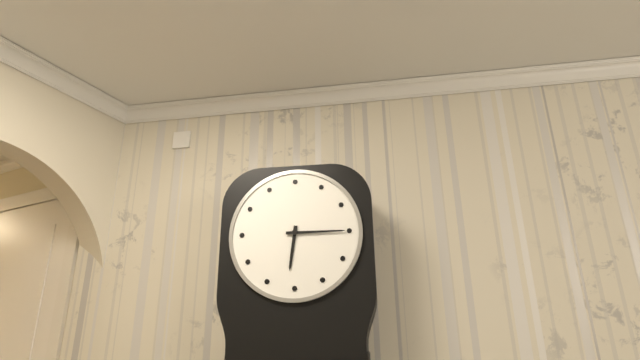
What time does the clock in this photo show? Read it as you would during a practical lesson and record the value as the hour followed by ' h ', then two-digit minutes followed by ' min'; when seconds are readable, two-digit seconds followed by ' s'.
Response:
6 h 15 min
